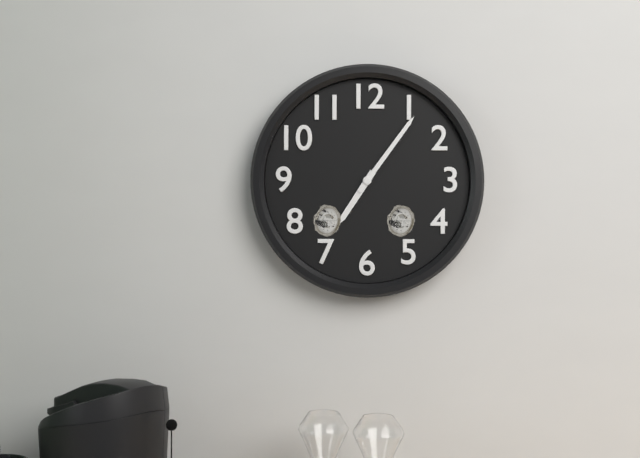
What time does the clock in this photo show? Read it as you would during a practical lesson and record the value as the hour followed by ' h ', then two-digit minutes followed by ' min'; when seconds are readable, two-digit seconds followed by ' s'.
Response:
7 h 06 min
